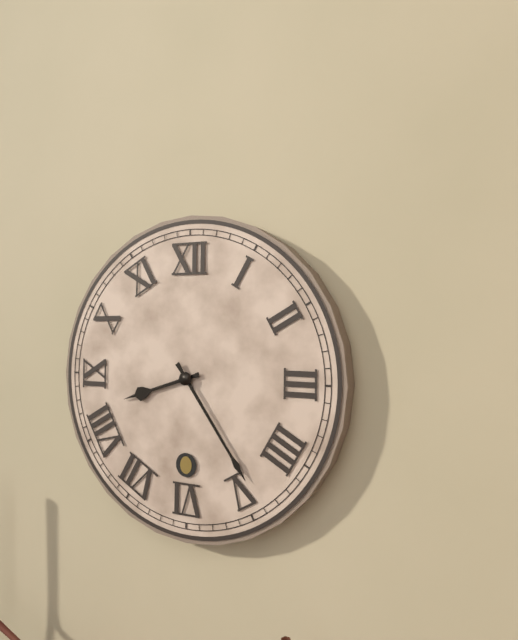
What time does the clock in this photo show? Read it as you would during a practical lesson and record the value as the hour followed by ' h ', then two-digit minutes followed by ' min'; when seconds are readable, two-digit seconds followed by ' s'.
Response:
8 h 24 min
